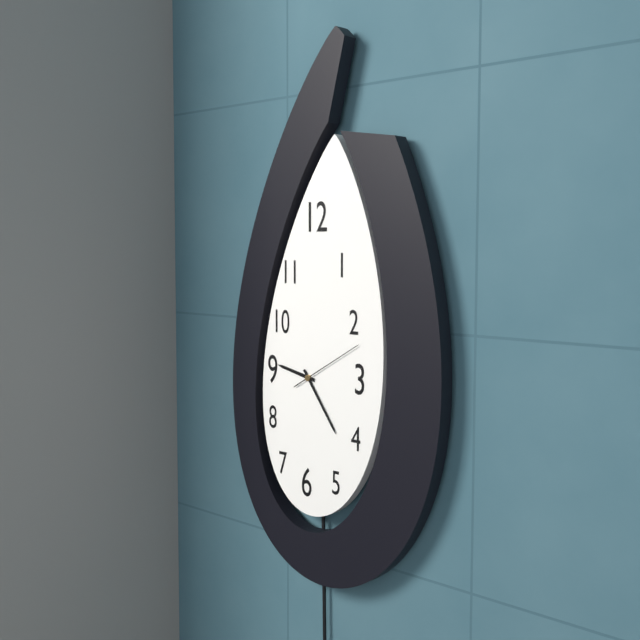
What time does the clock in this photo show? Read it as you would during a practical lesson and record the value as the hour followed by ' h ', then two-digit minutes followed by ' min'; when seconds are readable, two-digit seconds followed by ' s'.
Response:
9 h 24 min 10 s
